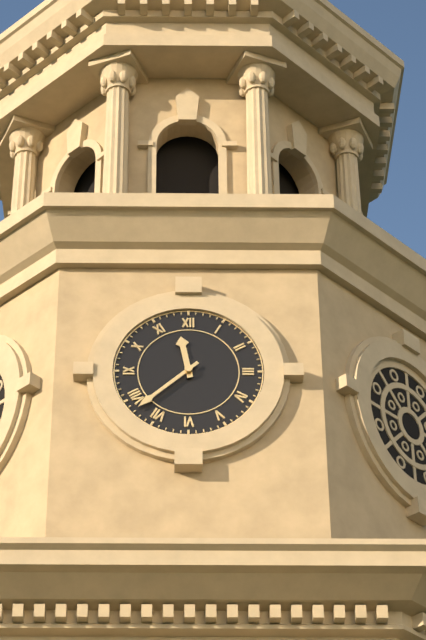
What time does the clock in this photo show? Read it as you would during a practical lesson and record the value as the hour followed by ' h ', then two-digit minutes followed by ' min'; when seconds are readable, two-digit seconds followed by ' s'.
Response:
11 h 38 min
